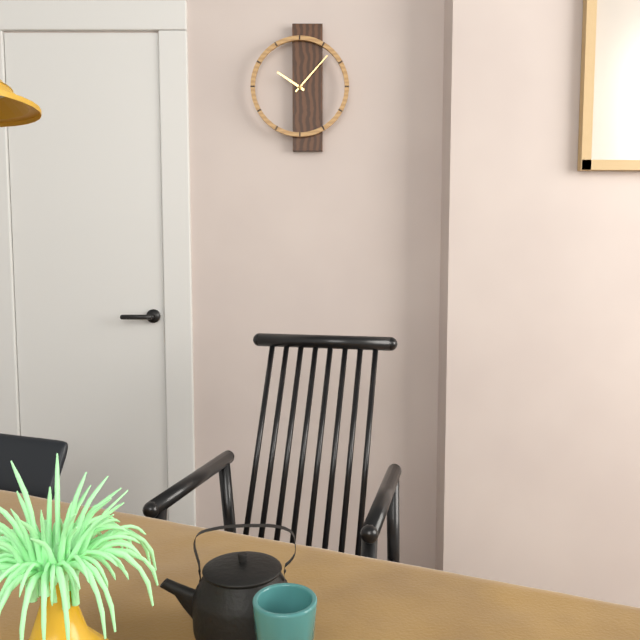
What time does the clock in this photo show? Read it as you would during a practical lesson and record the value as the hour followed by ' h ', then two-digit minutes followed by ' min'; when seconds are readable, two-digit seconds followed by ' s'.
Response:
10 h 07 min
